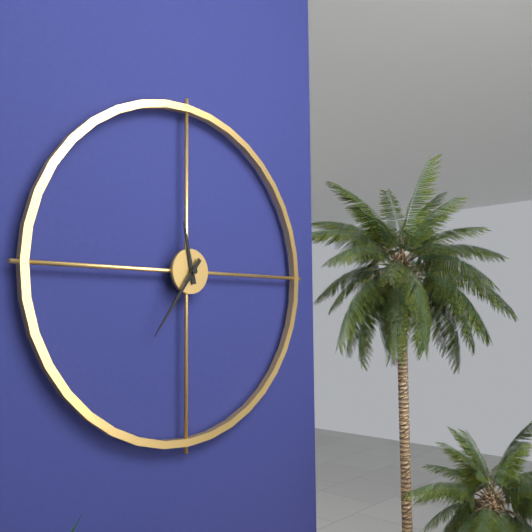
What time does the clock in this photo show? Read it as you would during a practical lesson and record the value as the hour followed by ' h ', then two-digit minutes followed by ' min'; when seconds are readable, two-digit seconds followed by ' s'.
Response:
11 h 36 min
